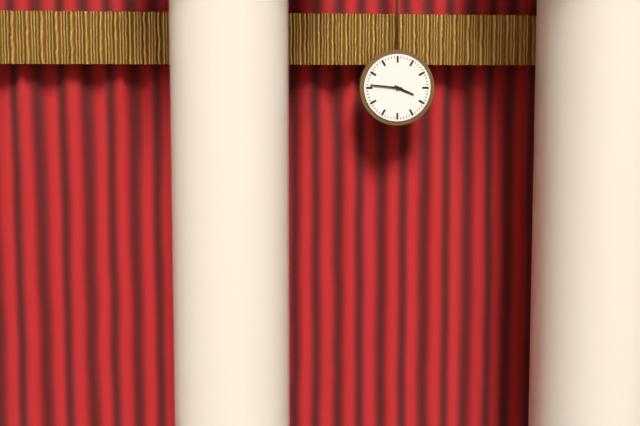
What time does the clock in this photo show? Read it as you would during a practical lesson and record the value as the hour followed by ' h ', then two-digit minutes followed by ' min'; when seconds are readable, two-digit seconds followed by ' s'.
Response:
3 h 46 min
